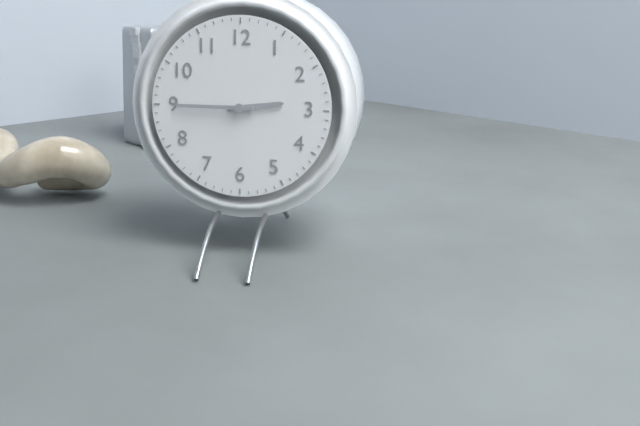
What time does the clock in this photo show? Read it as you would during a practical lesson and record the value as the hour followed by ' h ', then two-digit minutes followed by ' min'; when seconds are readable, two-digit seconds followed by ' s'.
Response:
2 h 45 min
